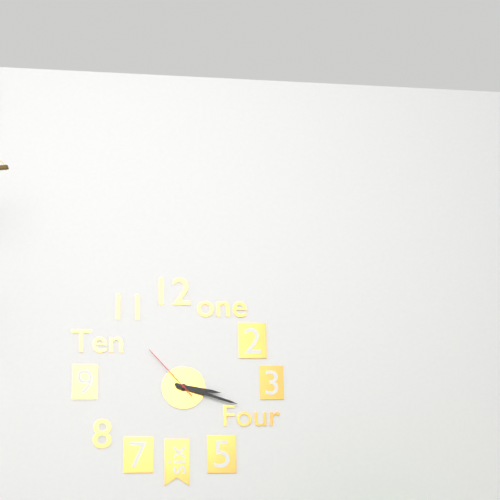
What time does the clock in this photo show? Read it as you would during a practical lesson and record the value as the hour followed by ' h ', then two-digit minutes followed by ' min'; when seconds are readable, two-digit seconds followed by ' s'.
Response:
3 h 18 min 53 s
